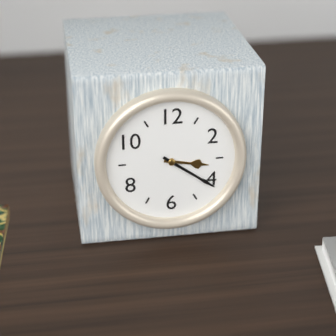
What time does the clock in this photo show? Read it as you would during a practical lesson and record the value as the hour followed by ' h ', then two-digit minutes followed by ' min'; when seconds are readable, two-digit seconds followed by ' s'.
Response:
3 h 21 min
